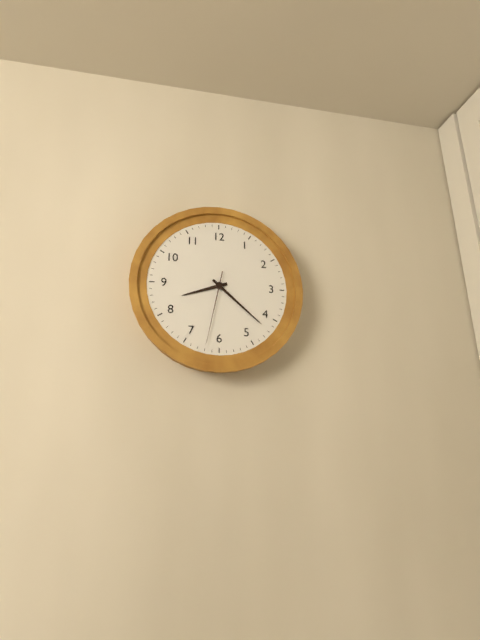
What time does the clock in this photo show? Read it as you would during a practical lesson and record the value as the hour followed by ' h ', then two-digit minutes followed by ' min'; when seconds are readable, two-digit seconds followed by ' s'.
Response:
8 h 22 min 32 s
